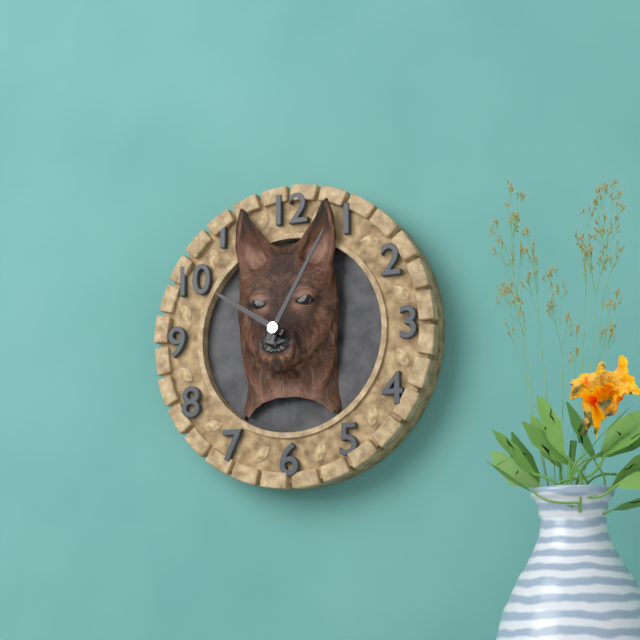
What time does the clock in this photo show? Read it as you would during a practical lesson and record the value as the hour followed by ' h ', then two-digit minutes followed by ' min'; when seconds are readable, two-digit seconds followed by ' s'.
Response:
10 h 05 min
